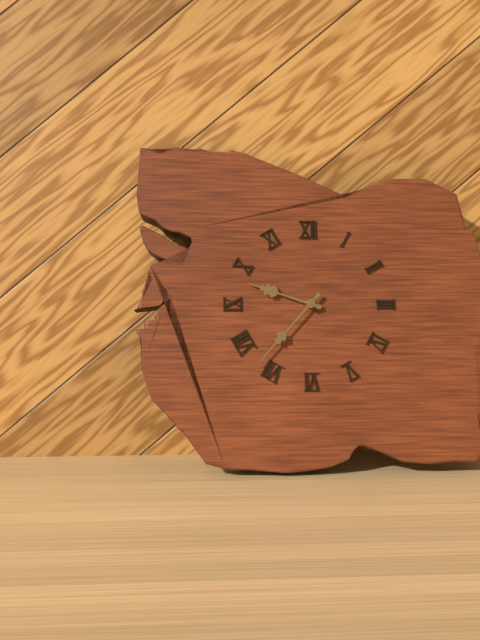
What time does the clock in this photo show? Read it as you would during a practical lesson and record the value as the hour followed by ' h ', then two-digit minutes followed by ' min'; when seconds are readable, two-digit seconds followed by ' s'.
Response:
9 h 37 min
